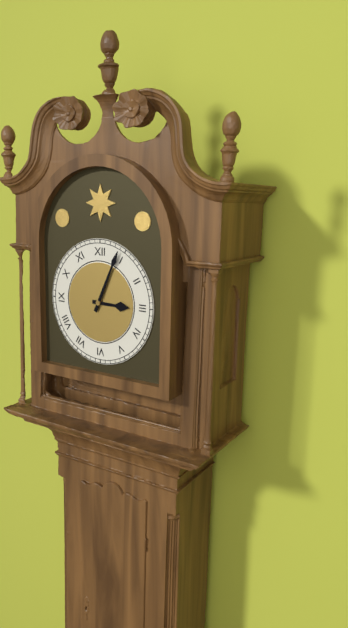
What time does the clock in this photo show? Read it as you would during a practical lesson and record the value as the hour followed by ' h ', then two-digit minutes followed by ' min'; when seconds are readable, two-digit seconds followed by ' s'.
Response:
3 h 04 min
